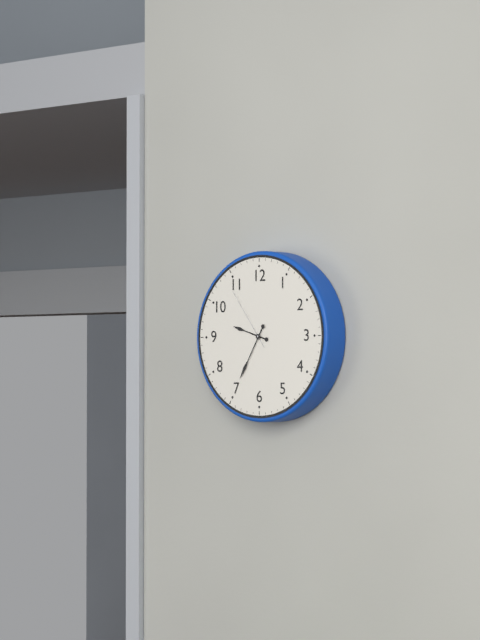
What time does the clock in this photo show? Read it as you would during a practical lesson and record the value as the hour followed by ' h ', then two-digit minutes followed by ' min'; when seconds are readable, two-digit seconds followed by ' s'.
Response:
9 h 35 min 54 s
